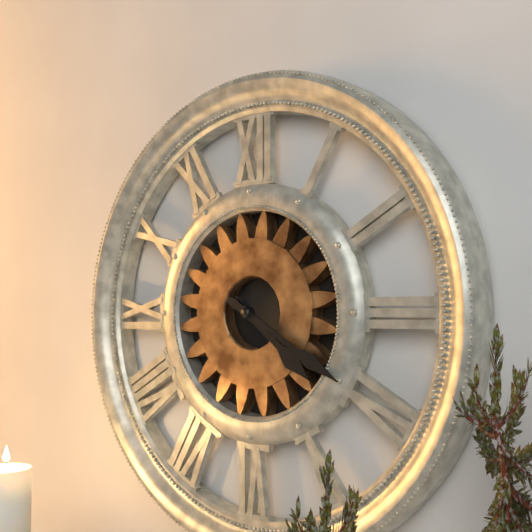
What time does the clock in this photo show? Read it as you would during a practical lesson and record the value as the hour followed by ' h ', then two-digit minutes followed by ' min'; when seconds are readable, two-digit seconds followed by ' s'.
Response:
4 h 20 min
